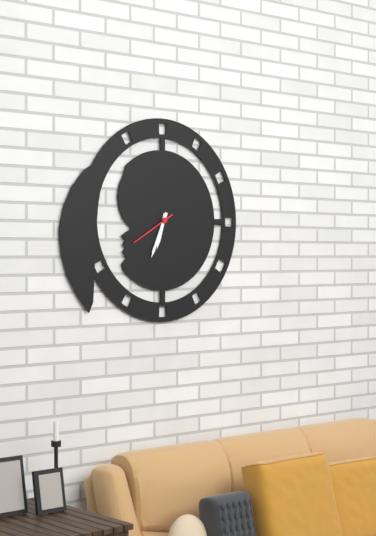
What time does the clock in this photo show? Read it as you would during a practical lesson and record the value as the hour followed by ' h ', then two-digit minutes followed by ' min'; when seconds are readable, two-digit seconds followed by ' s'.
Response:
6 h 34 min
